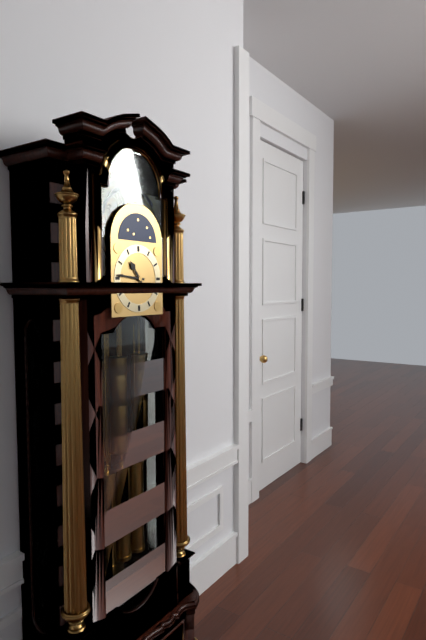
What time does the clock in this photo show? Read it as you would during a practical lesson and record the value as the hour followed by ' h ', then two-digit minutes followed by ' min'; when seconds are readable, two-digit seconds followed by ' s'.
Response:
10 h 46 min
